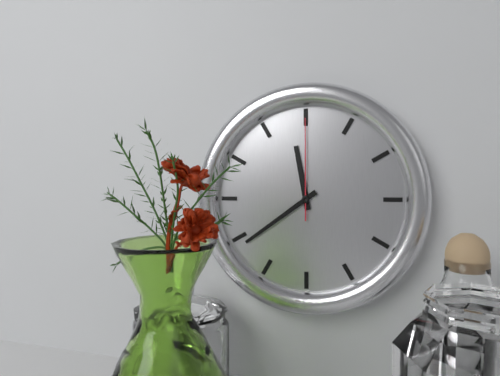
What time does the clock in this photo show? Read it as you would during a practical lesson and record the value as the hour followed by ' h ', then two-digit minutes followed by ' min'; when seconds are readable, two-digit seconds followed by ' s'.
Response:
11 h 39 min 00 s
